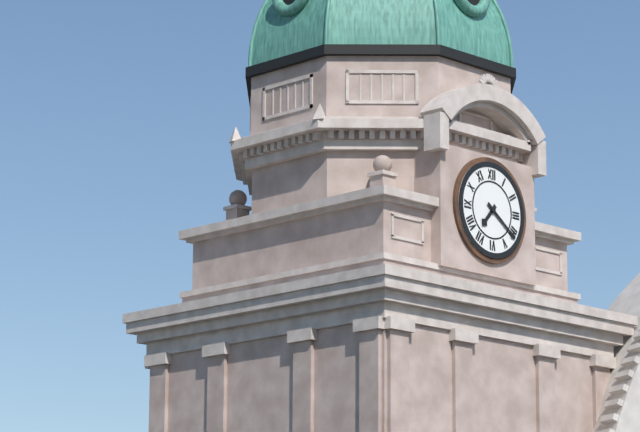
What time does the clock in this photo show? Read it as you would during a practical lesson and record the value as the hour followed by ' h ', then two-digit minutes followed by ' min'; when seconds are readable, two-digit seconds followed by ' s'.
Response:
7 h 21 min
